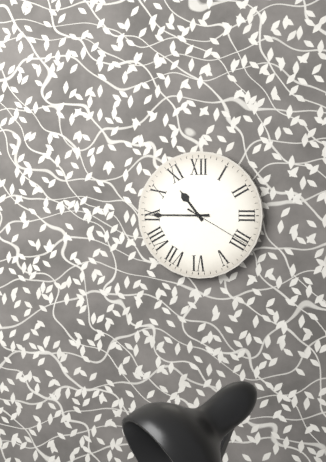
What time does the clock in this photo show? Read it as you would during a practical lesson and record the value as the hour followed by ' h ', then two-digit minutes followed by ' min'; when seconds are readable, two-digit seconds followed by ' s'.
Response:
10 h 45 min 20 s
